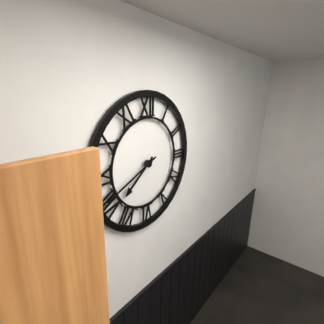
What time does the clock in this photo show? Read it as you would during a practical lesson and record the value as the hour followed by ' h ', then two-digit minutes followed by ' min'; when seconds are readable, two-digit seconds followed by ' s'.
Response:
7 h 41 min
